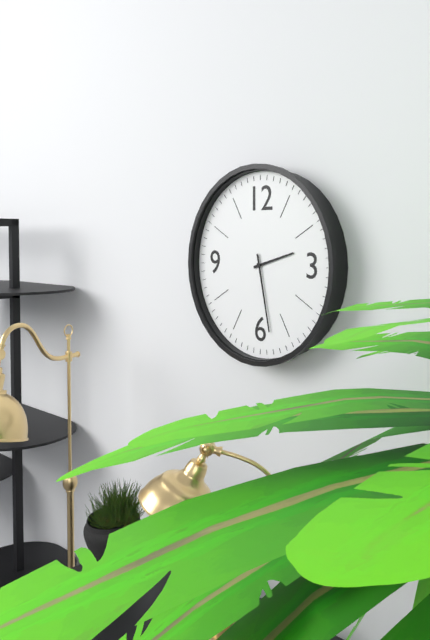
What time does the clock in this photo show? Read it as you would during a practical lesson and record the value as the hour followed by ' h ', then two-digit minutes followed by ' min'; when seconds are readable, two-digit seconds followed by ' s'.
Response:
2 h 28 min
